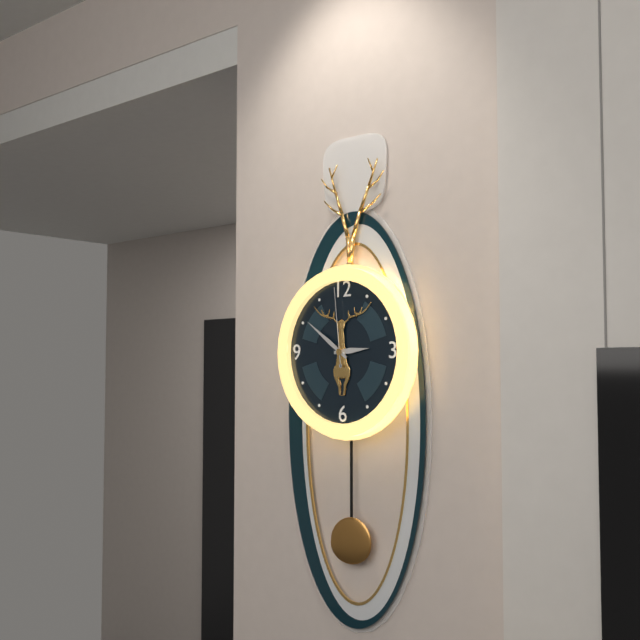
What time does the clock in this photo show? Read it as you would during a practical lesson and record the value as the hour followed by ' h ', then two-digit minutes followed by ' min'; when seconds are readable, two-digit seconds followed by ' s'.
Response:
2 h 51 min 59 s
